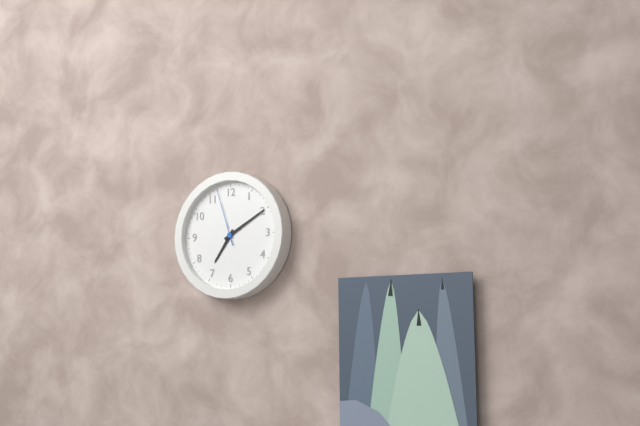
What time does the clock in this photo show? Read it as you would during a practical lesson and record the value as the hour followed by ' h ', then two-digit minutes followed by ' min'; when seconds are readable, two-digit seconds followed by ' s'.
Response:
7 h 10 min 57 s
